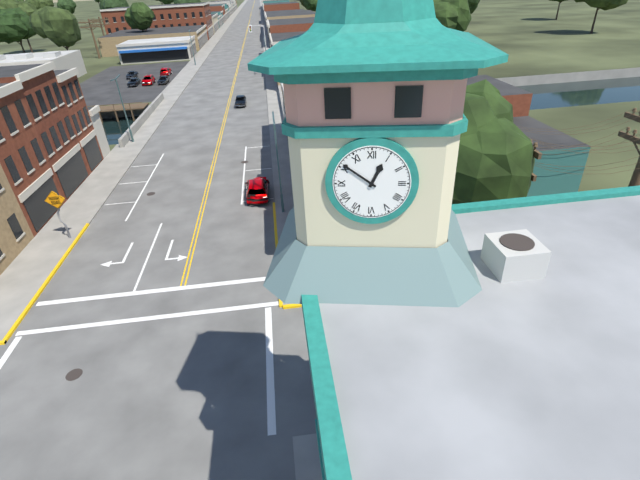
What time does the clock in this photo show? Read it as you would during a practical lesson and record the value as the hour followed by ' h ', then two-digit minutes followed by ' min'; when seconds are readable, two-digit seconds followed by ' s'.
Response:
12 h 51 min
